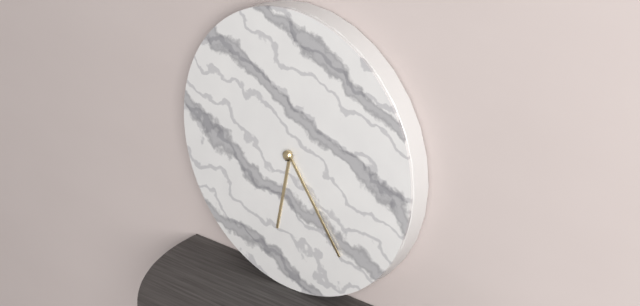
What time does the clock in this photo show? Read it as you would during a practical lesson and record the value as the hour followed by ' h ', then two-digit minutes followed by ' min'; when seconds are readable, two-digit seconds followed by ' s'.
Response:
6 h 24 min
